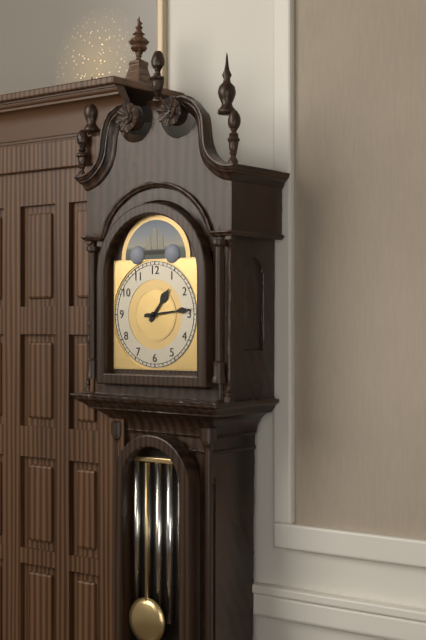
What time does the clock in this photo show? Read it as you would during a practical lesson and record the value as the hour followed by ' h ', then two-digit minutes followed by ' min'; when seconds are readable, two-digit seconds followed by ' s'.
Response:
1 h 14 min
